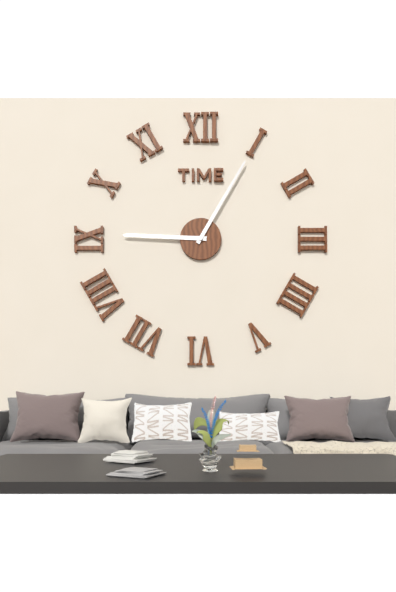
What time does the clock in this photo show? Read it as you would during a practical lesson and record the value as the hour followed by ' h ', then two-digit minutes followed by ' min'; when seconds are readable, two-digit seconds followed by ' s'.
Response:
9 h 05 min
